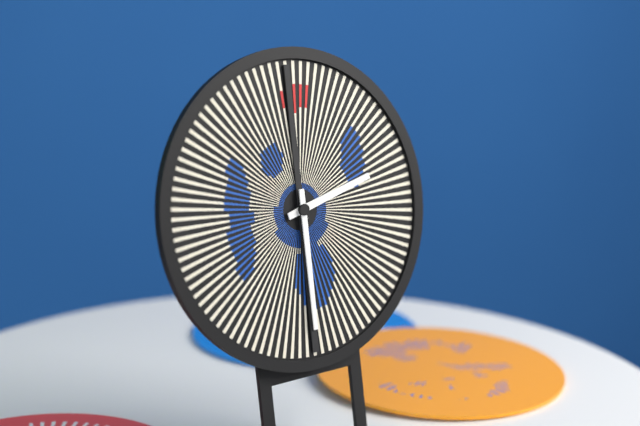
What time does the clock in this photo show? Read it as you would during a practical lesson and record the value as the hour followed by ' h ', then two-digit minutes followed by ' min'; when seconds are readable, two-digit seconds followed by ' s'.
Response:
2 h 30 min
